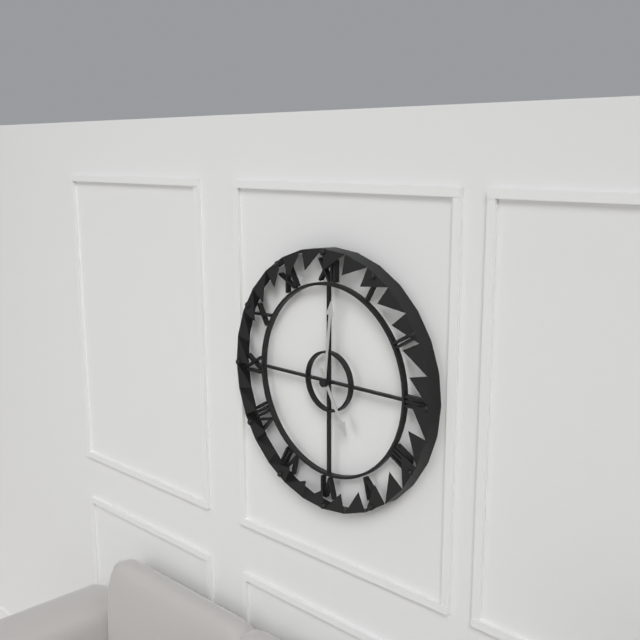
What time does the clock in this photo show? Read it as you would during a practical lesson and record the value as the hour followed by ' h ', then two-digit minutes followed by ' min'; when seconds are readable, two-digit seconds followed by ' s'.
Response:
5 h 01 min
